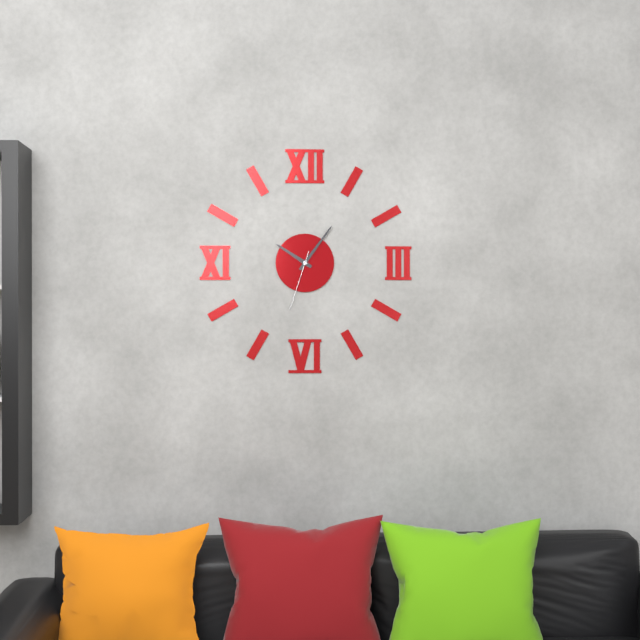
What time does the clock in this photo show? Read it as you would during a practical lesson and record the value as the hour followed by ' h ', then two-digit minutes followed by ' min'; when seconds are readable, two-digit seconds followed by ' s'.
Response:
10 h 06 min 33 s
